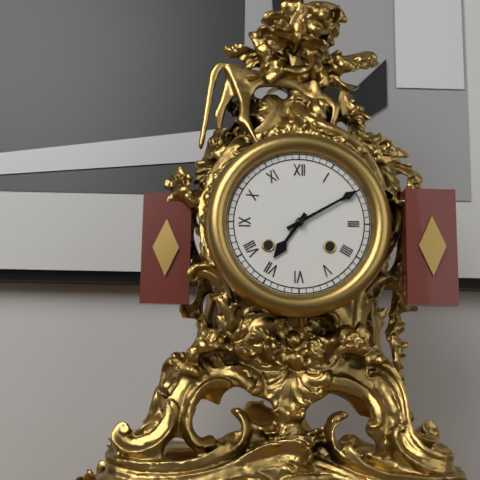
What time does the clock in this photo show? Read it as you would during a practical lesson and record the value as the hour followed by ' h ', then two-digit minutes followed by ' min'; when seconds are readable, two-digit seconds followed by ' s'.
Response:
7 h 10 min
